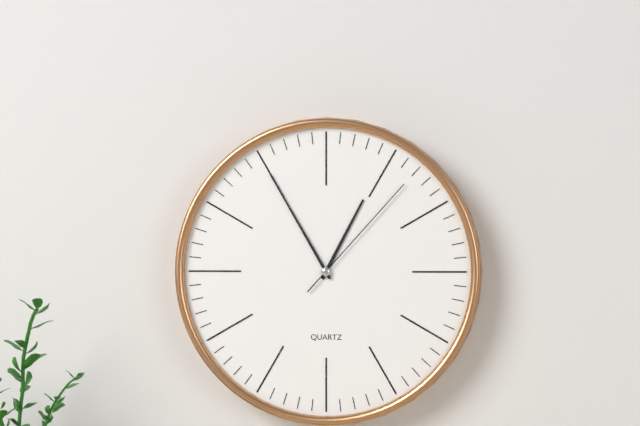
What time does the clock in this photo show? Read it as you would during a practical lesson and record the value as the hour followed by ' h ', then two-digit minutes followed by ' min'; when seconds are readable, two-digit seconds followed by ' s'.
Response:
12 h 55 min 07 s
